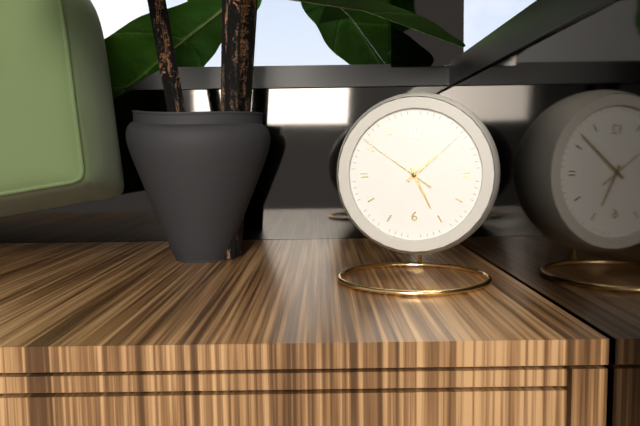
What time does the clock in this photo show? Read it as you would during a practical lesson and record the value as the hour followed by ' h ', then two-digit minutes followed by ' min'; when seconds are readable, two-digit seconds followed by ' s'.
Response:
5 h 08 min 51 s
